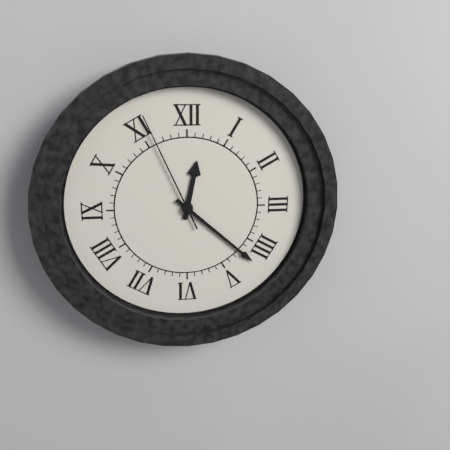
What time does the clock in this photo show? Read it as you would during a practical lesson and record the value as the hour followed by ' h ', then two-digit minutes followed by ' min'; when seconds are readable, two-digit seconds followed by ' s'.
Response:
12 h 22 min 56 s
